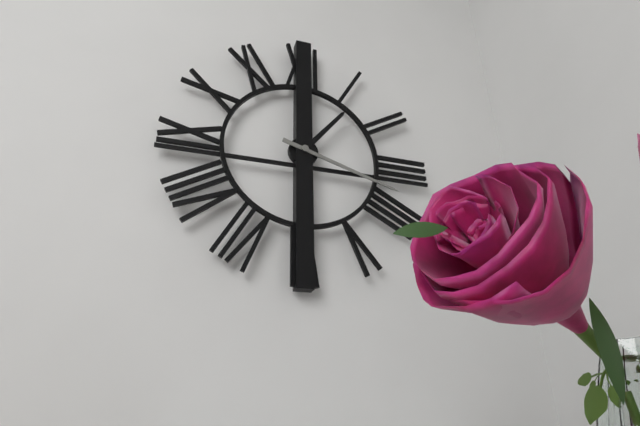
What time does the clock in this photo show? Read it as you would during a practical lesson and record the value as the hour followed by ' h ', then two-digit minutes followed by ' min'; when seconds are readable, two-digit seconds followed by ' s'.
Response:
1 h 18 min
